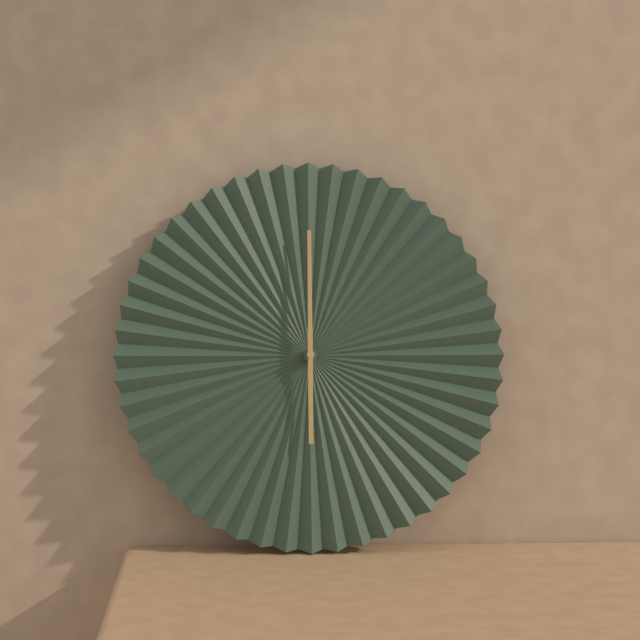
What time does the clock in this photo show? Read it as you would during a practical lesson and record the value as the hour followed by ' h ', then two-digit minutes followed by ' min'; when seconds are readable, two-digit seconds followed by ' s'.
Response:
6 h 00 min
